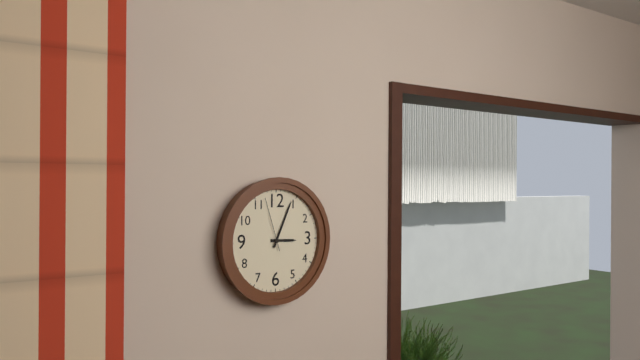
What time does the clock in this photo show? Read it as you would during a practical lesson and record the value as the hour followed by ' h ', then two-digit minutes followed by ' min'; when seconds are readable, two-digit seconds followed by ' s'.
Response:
3 h 04 min 57 s
